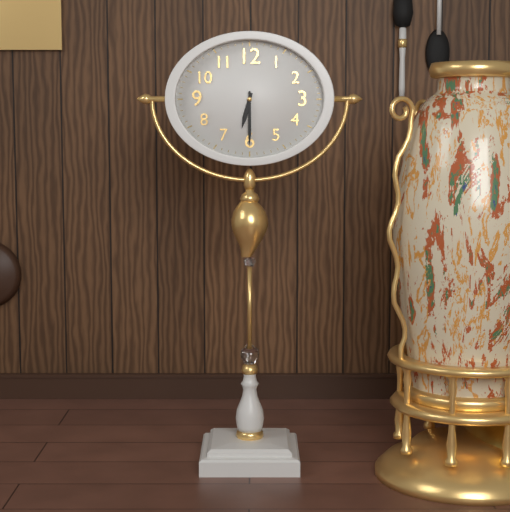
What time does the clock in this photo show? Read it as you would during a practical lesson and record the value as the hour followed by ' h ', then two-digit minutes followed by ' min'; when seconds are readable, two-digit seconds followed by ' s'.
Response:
6 h 30 min
